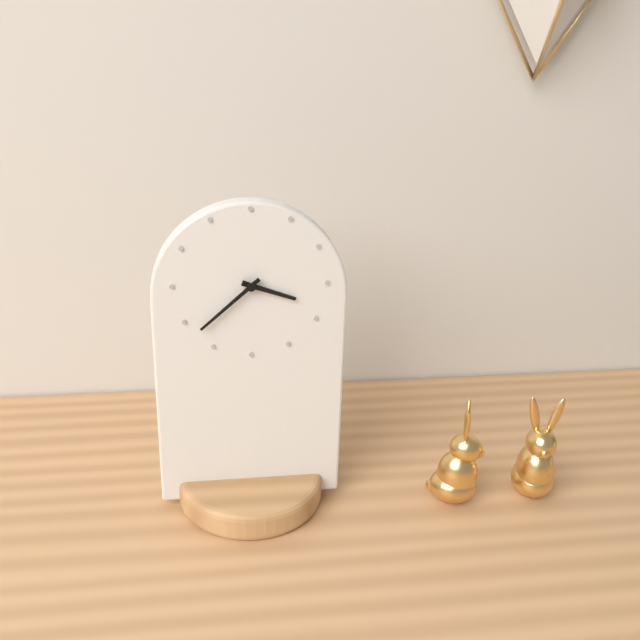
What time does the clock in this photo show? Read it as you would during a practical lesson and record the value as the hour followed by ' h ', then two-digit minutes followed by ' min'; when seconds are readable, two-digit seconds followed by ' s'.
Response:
3 h 38 min
